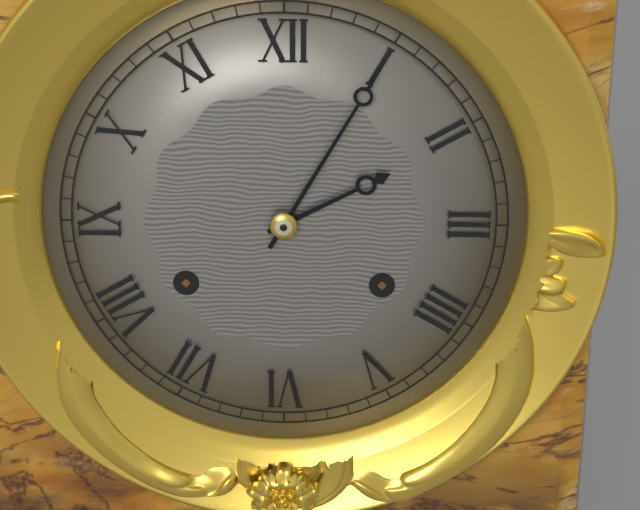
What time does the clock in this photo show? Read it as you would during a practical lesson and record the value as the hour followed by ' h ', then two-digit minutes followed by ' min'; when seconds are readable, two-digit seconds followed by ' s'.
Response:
2 h 05 min
